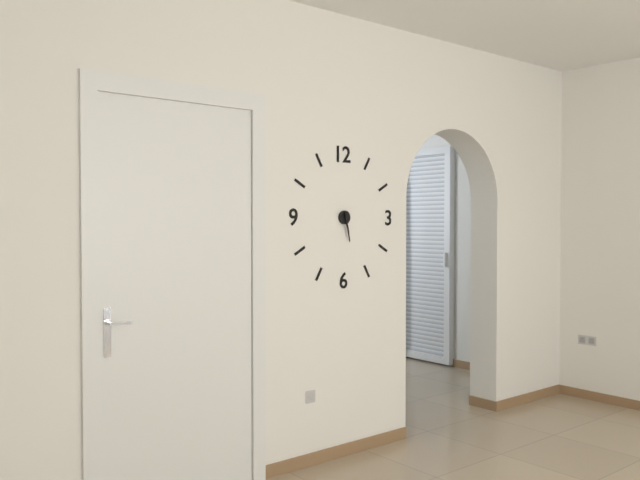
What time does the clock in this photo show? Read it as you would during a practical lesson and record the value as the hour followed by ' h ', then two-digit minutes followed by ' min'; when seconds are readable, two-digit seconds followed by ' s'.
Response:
5 h 28 min
